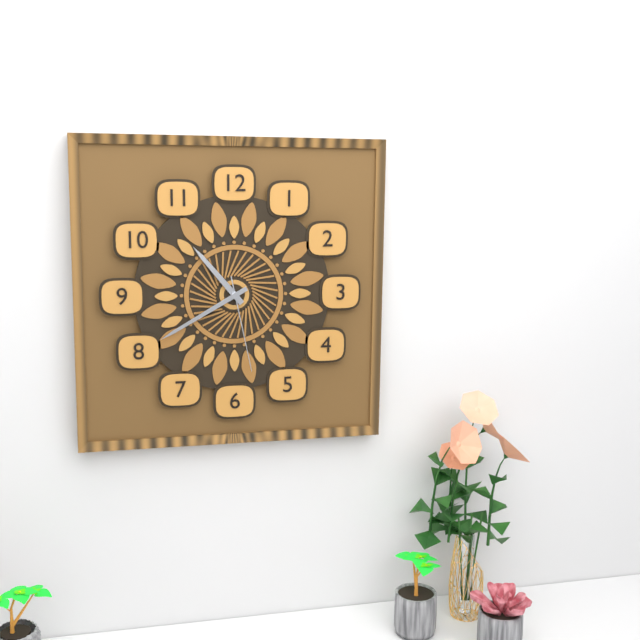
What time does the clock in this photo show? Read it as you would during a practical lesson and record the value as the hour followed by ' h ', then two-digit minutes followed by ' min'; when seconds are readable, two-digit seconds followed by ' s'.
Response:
10 h 40 min 28 s
